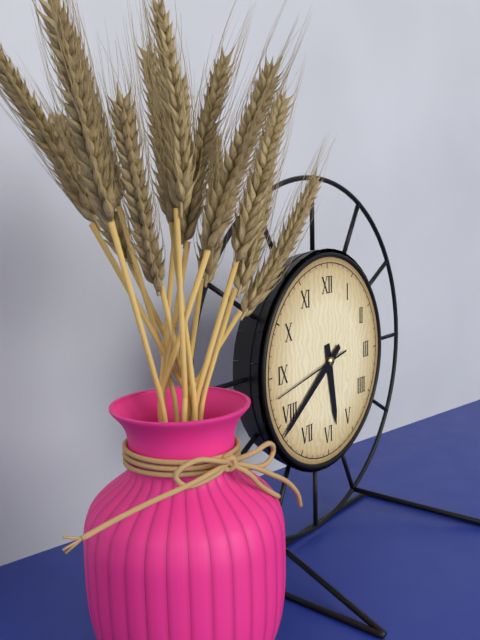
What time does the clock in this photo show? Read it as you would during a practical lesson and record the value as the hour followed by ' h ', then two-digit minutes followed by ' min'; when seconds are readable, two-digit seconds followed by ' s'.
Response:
5 h 39 min 43 s
